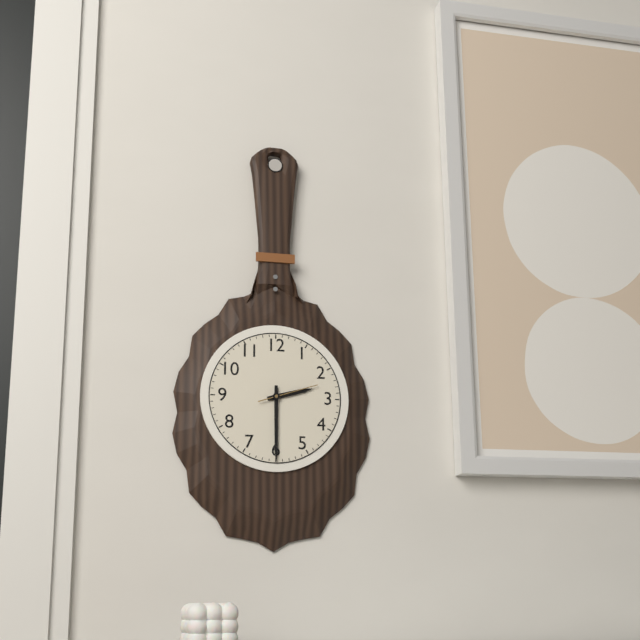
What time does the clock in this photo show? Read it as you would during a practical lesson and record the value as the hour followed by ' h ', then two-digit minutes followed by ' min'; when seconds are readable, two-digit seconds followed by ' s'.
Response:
2 h 30 min 12 s
